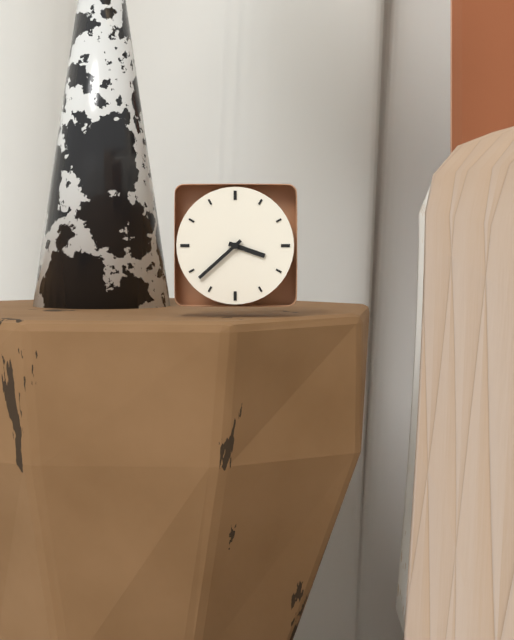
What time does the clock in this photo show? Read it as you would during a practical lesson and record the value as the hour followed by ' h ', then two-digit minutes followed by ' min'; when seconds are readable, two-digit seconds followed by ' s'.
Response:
3 h 38 min
